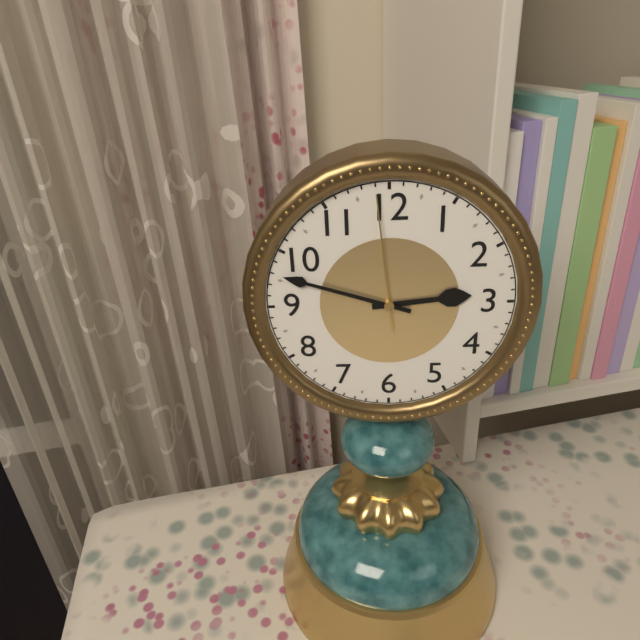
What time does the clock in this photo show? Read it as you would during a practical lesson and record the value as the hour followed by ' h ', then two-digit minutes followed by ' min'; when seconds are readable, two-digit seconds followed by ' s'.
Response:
2 h 48 min 59 s
